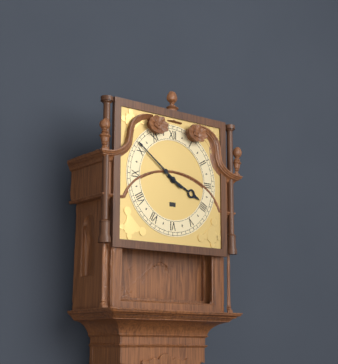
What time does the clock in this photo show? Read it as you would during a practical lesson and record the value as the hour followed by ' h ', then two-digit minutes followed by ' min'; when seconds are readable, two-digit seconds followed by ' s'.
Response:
3 h 51 min
